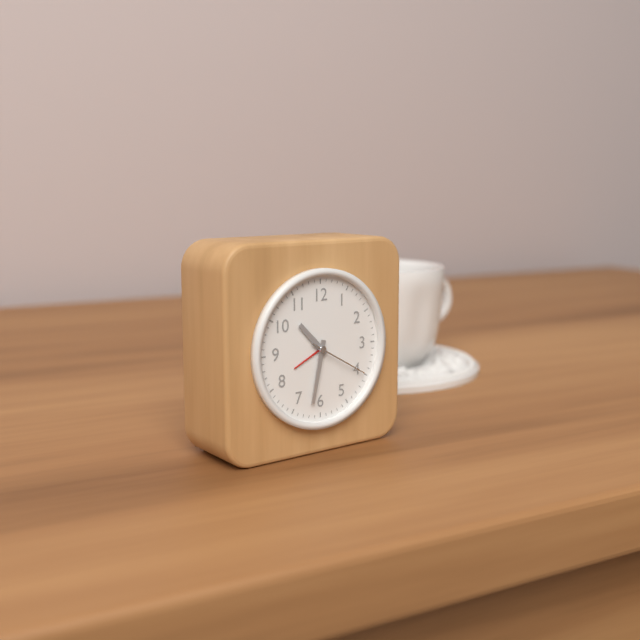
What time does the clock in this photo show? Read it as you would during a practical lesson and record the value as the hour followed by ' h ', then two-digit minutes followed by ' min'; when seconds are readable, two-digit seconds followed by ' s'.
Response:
10 h 32 min 20 s
